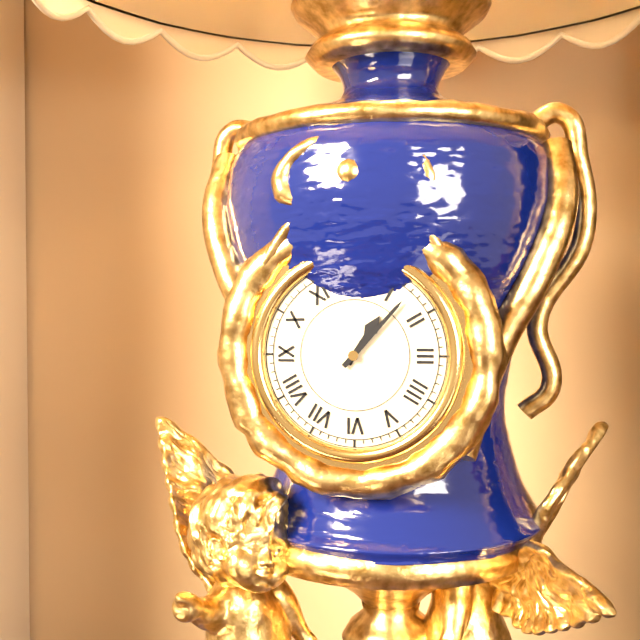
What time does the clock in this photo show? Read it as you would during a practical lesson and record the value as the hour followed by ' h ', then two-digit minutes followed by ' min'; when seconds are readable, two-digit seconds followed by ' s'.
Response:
1 h 07 min
